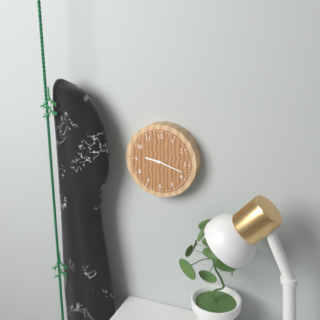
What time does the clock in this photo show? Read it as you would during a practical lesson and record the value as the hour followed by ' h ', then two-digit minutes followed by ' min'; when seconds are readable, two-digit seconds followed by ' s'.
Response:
9 h 18 min
